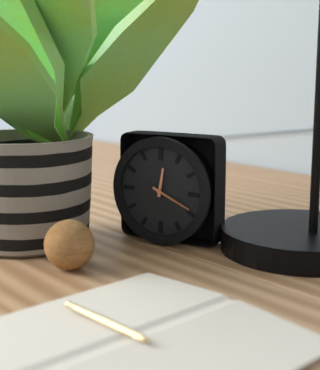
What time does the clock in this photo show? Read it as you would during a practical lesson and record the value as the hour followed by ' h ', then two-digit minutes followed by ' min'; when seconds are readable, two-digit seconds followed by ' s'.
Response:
12 h 19 min
